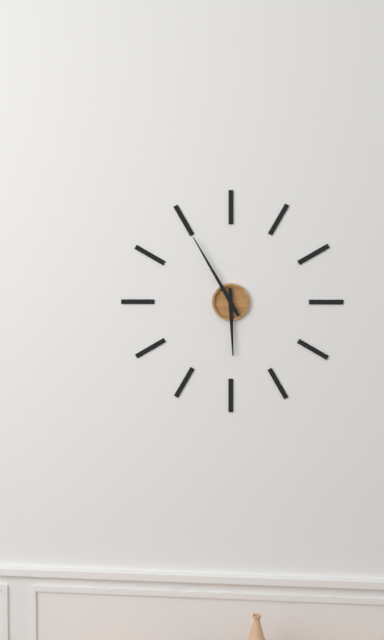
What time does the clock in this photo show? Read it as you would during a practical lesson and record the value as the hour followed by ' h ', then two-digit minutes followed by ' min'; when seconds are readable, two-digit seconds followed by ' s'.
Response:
5 h 55 min
